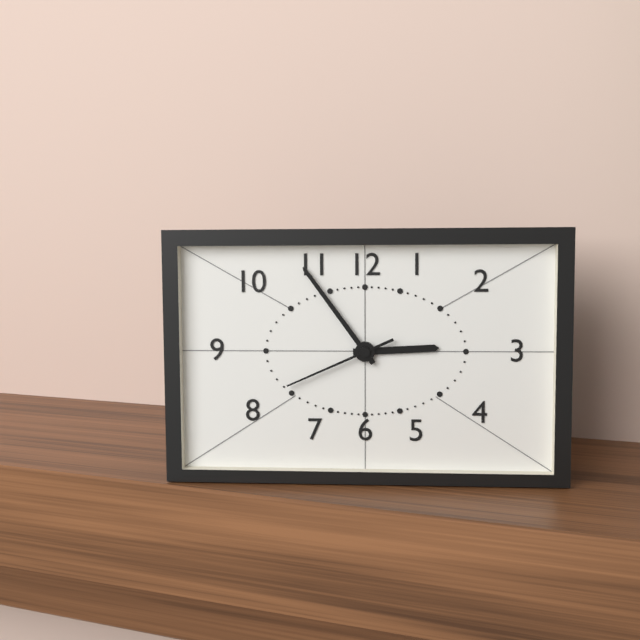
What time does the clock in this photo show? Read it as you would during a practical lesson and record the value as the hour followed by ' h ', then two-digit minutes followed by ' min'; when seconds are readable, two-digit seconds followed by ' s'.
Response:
2 h 54 min 41 s
